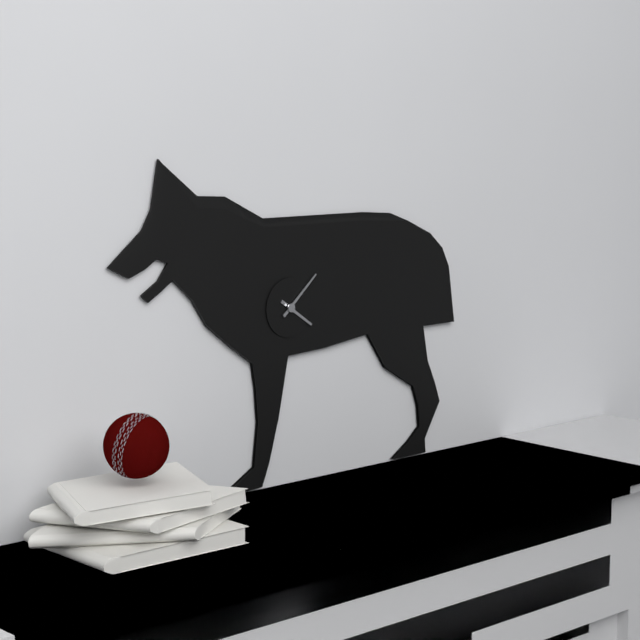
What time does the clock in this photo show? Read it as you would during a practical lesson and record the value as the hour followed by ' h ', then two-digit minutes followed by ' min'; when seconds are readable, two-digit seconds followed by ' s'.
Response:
4 h 08 min
